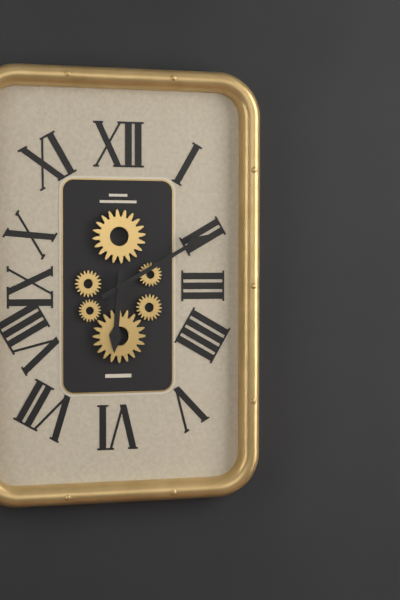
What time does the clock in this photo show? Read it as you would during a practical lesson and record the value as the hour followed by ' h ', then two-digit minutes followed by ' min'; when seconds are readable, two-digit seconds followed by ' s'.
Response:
6 h 10 min
